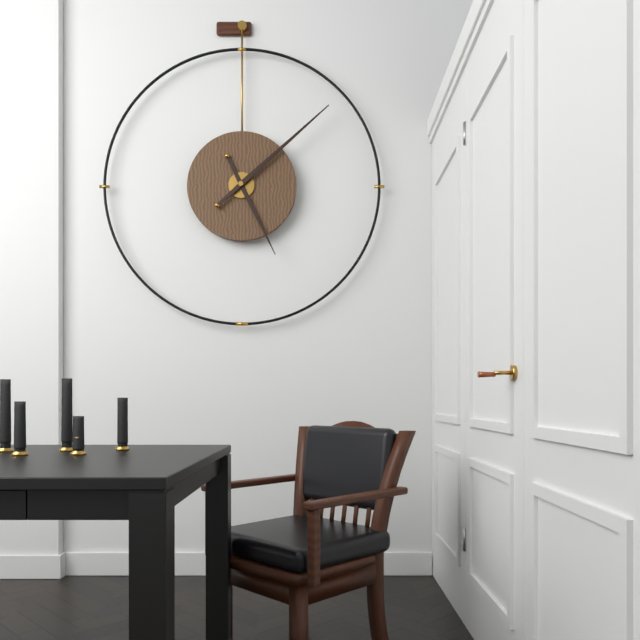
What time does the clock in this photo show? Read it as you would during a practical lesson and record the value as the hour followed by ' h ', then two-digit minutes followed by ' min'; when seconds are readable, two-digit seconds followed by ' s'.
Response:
5 h 08 min
